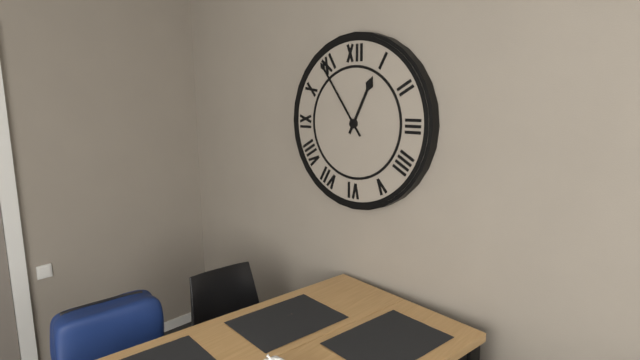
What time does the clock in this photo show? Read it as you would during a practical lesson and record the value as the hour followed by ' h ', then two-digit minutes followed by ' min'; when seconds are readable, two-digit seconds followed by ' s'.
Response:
12 h 54 min
